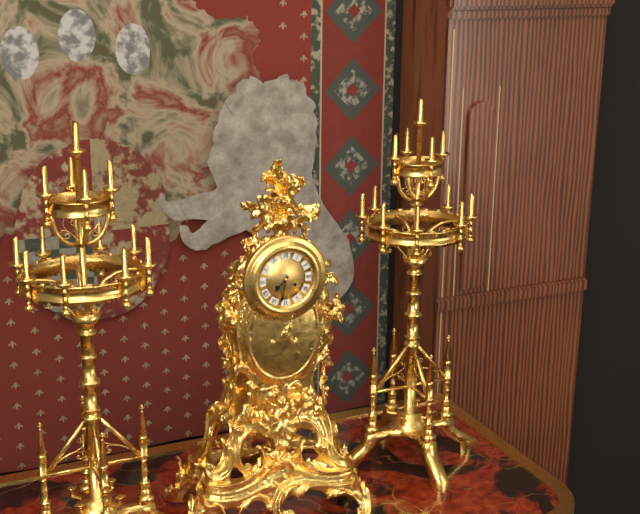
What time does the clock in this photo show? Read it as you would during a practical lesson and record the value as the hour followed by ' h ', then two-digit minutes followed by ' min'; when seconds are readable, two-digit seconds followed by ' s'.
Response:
7 h 32 min
